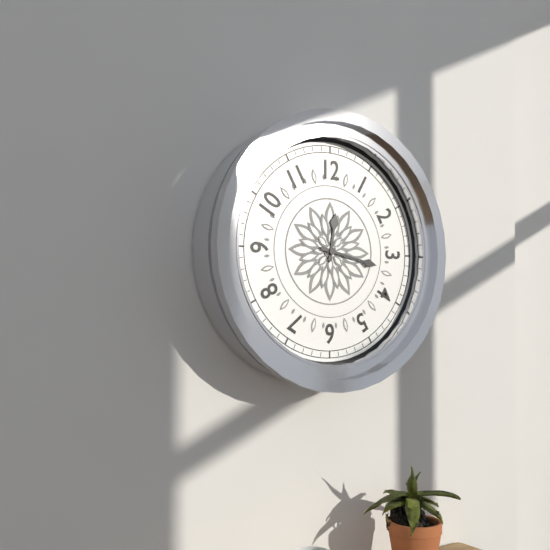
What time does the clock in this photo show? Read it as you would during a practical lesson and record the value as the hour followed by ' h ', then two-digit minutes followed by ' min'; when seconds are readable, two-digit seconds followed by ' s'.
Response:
12 h 17 min
